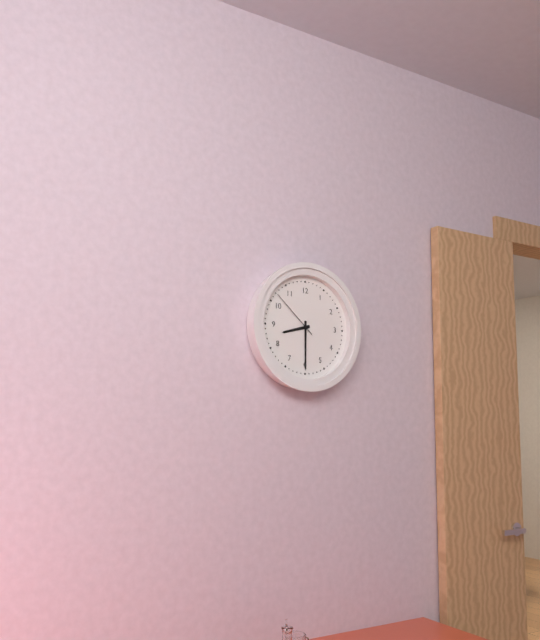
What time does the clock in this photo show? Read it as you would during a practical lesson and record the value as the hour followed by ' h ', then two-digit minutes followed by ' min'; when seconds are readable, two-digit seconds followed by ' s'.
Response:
8 h 30 min 52 s
